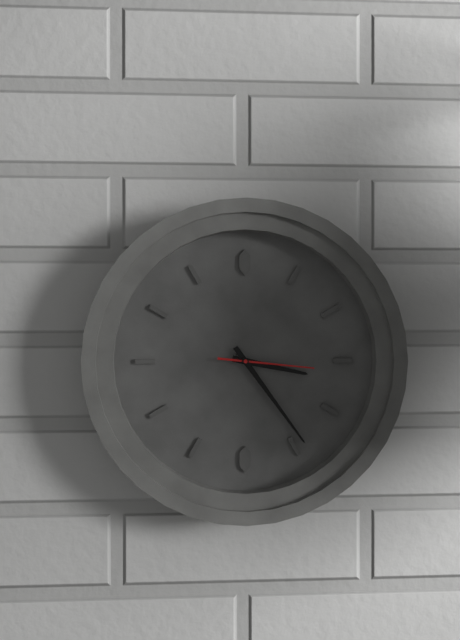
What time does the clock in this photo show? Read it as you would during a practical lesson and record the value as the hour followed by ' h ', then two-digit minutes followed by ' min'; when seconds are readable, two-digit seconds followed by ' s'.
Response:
3 h 24 min 16 s
